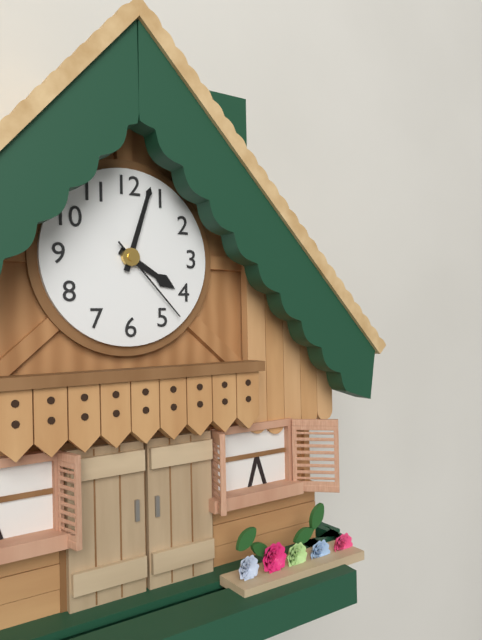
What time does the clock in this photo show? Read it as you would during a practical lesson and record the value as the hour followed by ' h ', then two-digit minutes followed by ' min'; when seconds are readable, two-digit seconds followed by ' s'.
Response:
4 h 03 min 23 s
